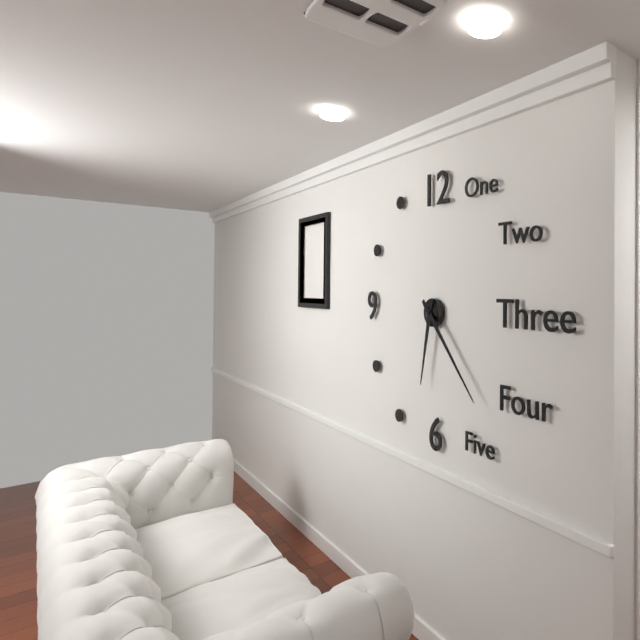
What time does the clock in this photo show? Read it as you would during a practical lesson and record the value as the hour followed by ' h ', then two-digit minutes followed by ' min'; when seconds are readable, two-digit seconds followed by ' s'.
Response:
6 h 23 min
